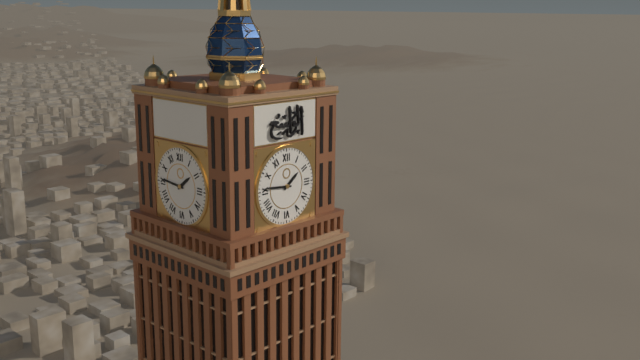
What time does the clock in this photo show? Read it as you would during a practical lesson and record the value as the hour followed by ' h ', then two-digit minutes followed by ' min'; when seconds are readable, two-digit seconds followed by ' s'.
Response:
1 h 46 min
